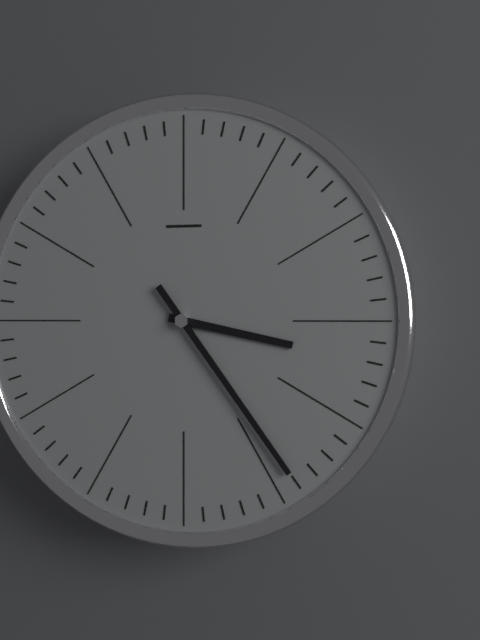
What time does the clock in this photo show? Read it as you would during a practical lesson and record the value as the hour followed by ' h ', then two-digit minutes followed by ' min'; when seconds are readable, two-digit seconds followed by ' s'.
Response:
3 h 24 min
